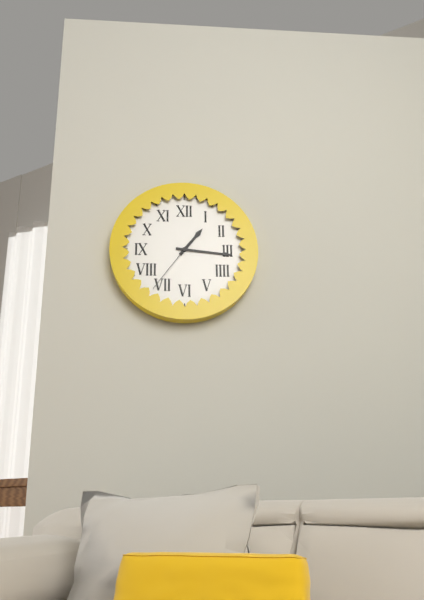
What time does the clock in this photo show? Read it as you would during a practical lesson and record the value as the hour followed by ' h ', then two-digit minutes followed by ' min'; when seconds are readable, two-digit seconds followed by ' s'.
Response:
1 h 16 min 36 s
